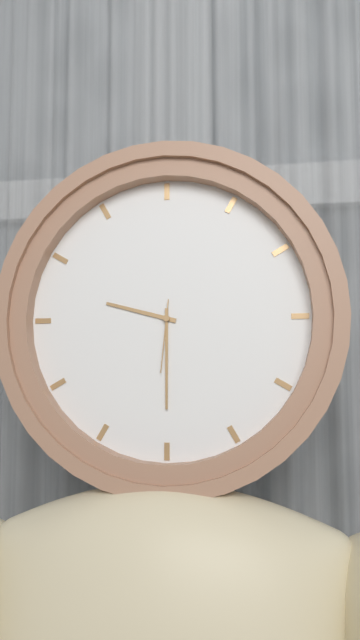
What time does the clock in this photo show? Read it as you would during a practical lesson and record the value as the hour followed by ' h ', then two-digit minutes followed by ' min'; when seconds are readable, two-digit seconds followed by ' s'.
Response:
9 h 30 min 31 s
